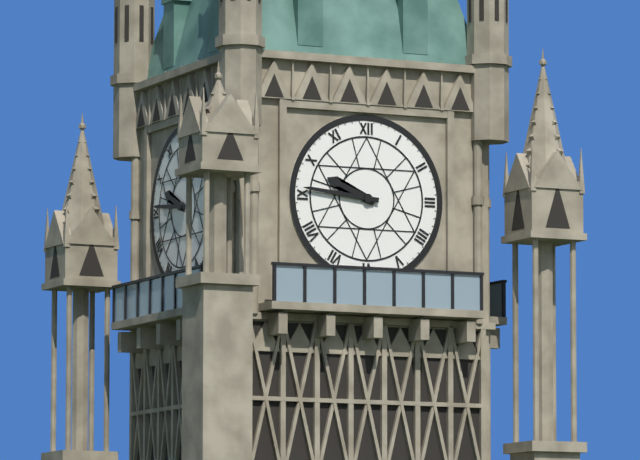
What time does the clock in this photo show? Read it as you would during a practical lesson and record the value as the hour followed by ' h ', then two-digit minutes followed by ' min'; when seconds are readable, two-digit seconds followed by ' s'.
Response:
9 h 46 min
